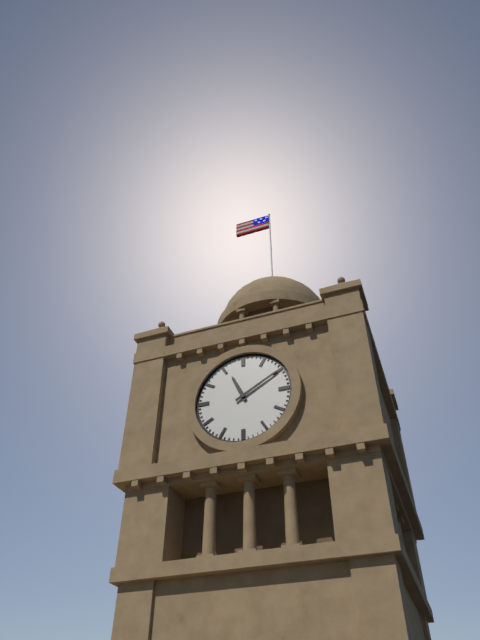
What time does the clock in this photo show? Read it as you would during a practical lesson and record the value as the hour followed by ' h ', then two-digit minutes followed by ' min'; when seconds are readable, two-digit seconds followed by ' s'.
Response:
11 h 10 min
